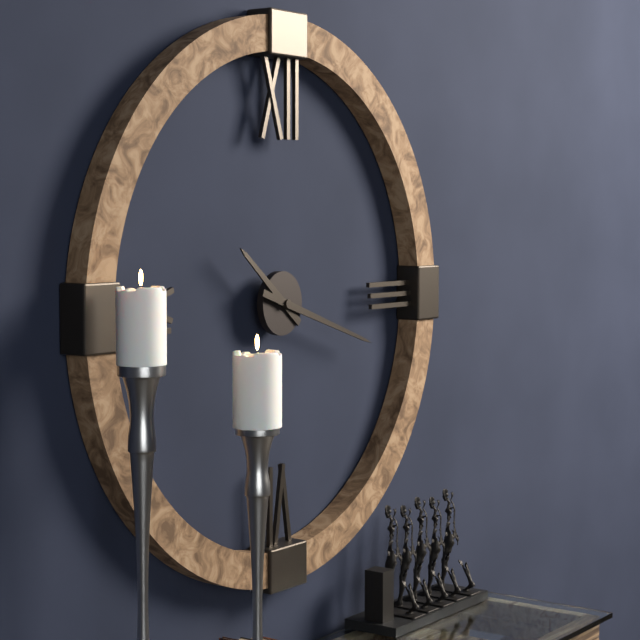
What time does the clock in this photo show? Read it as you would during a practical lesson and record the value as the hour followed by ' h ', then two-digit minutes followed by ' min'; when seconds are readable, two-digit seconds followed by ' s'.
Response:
10 h 18 min
